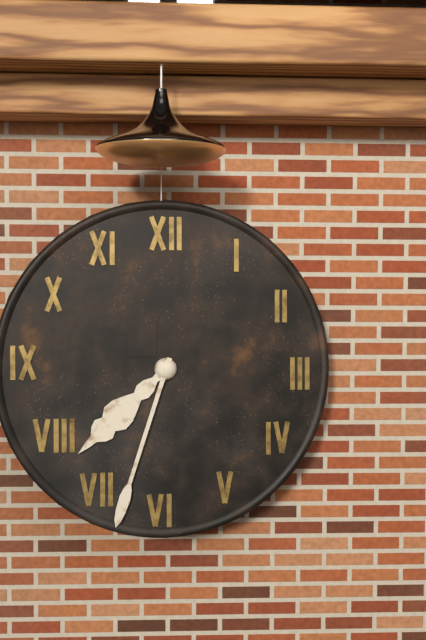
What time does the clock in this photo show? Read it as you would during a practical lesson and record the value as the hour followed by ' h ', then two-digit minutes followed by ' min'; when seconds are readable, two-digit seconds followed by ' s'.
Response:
7 h 33 min
